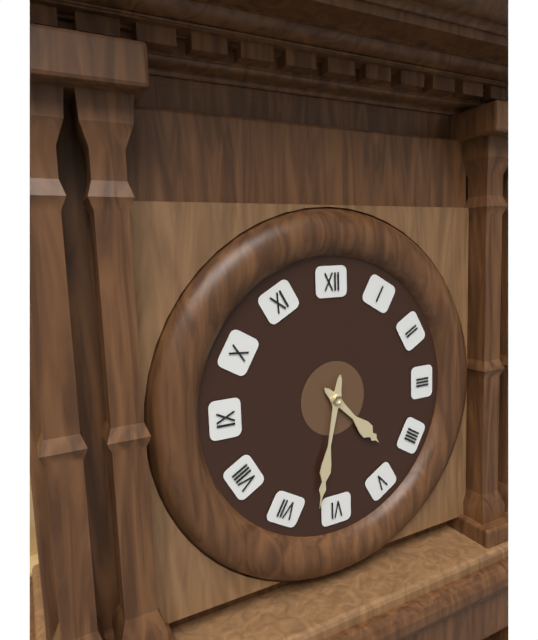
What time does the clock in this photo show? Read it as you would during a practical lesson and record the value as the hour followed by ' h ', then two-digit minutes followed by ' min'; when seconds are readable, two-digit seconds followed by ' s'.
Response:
4 h 32 min
